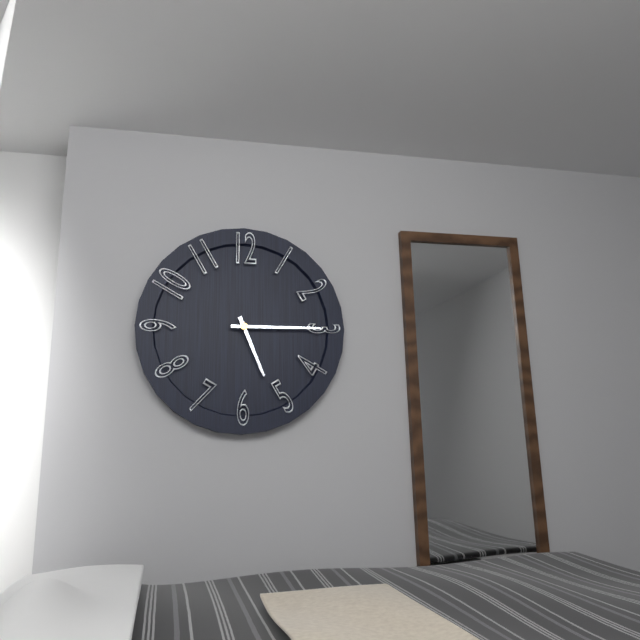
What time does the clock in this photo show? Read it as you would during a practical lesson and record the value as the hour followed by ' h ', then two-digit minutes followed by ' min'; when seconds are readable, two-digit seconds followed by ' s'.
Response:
5 h 15 min
